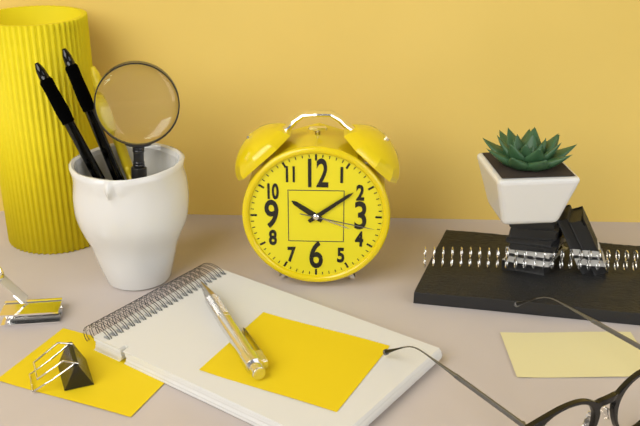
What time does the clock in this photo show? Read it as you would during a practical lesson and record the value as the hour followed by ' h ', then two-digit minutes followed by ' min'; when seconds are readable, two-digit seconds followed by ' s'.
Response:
10 h 09 min 17 s
